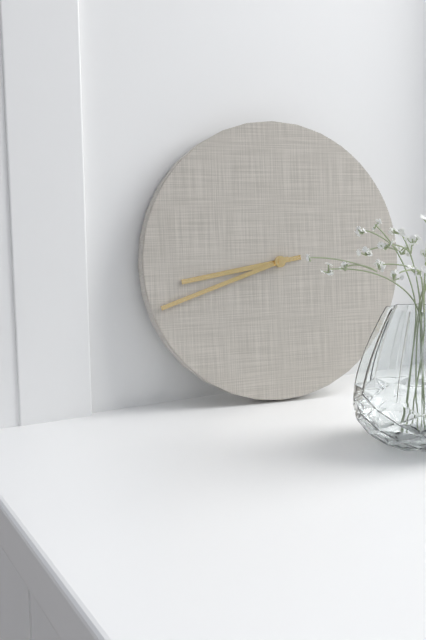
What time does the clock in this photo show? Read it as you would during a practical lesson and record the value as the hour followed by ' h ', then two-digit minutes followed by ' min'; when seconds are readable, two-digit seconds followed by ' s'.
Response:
8 h 42 min
